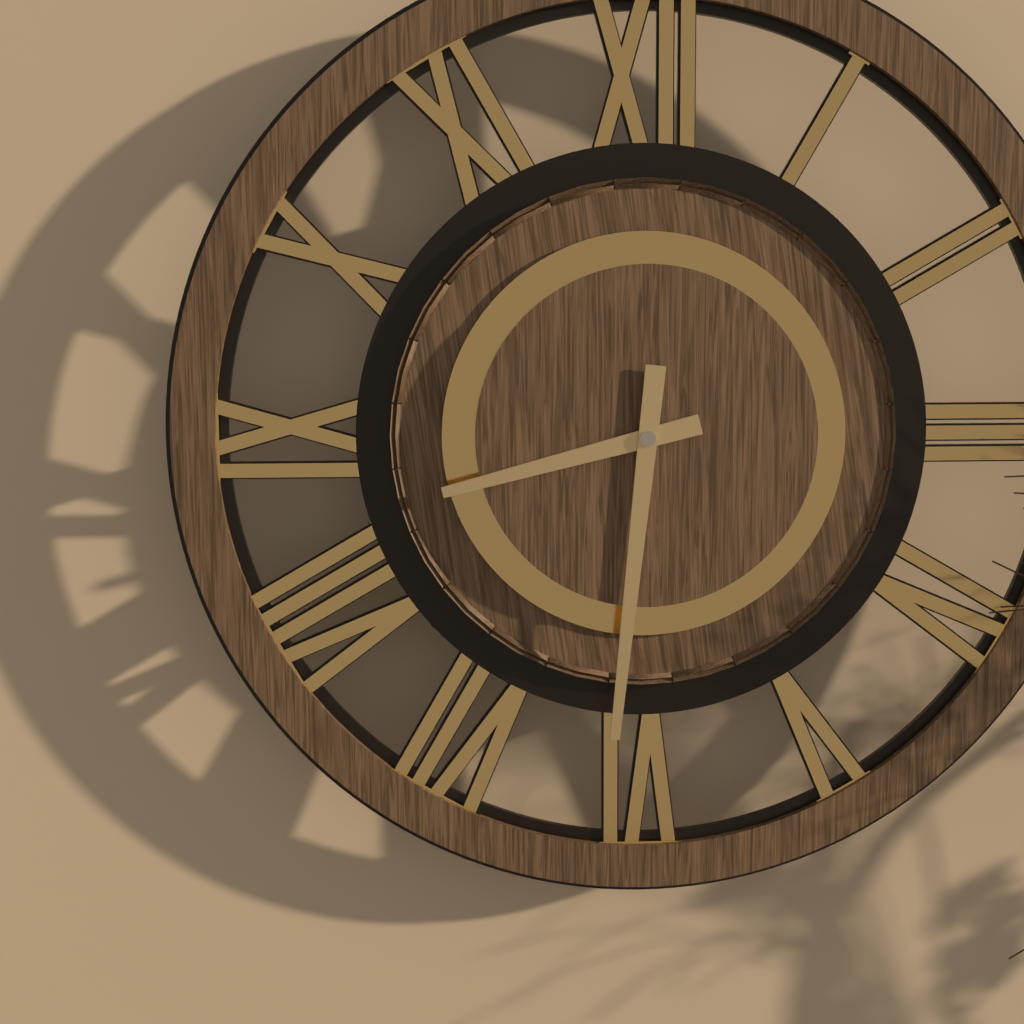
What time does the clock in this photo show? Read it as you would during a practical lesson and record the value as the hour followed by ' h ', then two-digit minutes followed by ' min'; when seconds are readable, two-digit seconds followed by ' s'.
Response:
8 h 31 min
